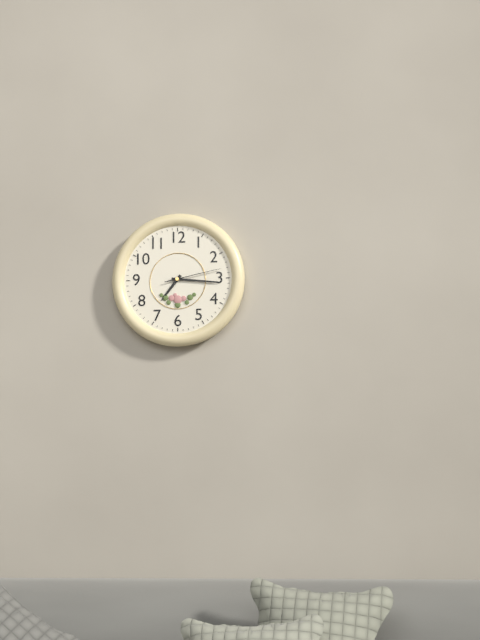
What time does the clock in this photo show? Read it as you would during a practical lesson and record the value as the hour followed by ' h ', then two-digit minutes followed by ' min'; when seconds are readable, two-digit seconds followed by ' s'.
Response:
7 h 16 min 13 s
